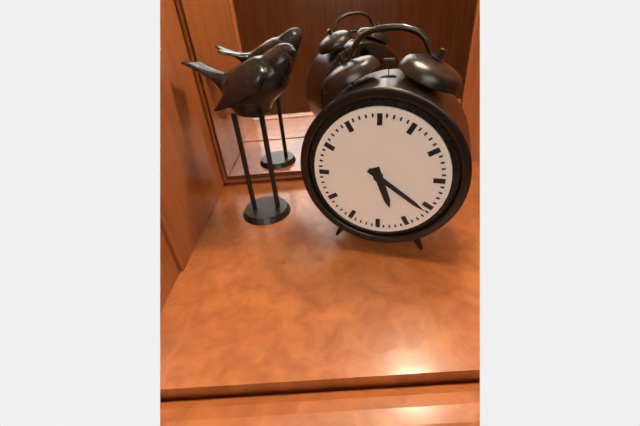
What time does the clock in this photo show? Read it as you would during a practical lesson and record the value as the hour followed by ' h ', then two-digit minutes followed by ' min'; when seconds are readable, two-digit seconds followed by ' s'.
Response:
5 h 21 min
